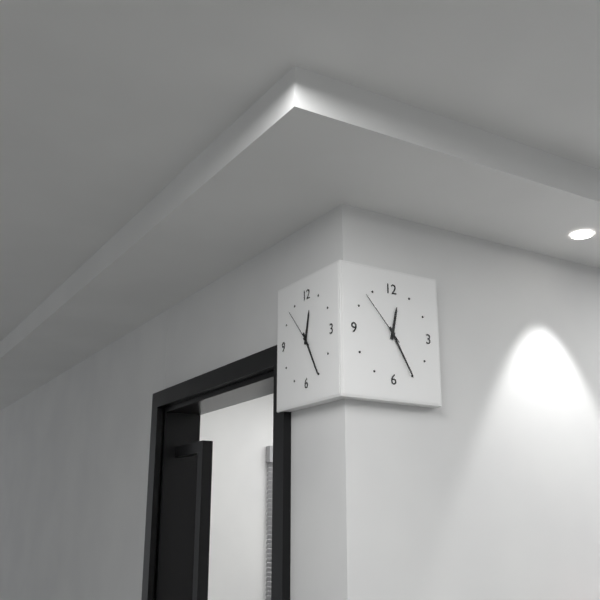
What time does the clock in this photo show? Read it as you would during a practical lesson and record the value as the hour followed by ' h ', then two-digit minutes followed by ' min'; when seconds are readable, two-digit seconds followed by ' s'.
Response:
12 h 25 min
